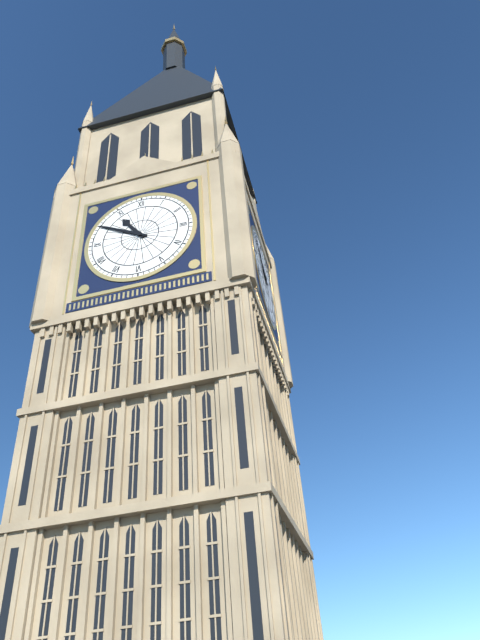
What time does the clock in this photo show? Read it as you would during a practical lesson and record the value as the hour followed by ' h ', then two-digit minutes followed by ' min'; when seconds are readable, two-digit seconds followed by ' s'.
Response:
10 h 50 min
